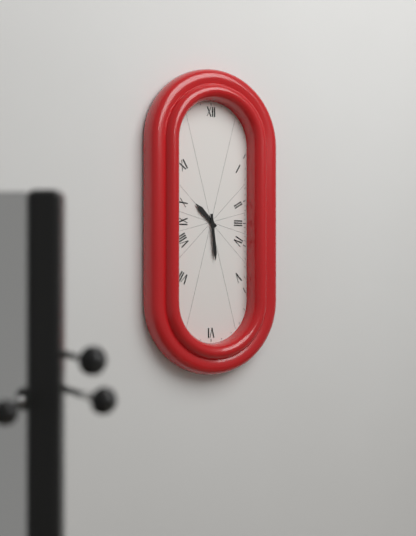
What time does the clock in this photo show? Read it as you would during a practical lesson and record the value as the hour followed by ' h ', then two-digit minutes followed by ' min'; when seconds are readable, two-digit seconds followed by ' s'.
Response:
10 h 29 min
